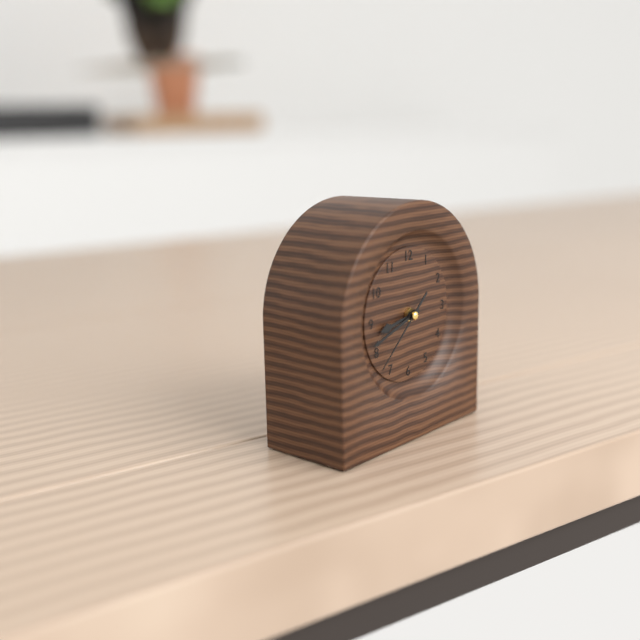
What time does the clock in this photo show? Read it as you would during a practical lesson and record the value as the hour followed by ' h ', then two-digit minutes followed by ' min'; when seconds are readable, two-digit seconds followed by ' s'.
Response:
8 h 42 min 38 s
